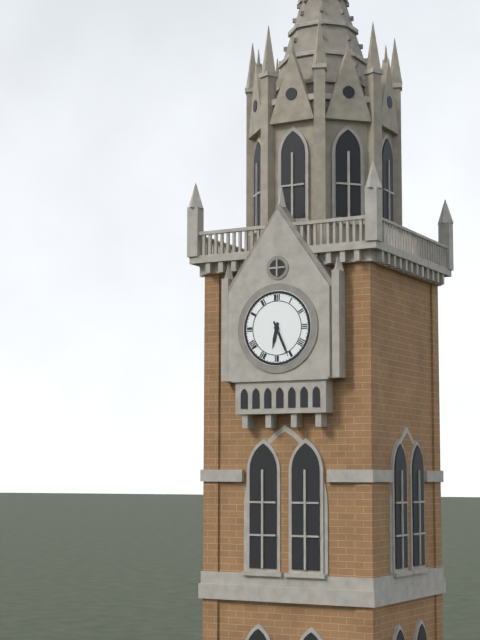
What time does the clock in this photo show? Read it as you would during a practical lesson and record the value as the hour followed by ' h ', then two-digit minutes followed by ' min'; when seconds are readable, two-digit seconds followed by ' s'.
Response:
6 h 26 min
